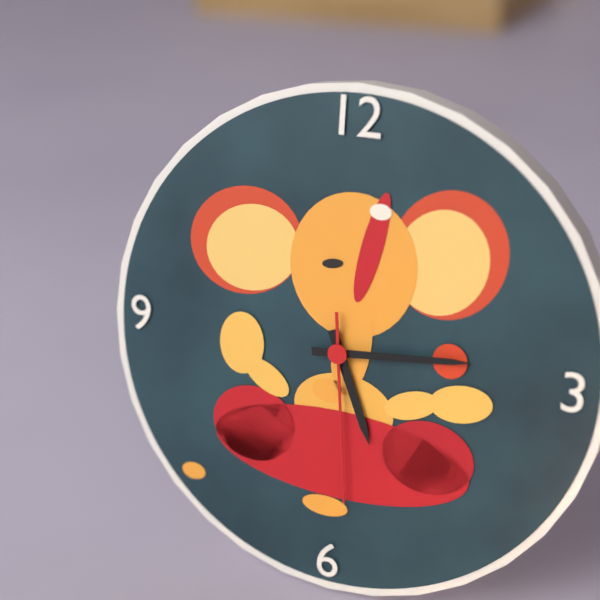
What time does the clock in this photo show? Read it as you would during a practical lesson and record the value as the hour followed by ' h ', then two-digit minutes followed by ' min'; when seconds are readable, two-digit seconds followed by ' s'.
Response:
5 h 14 min 29 s
